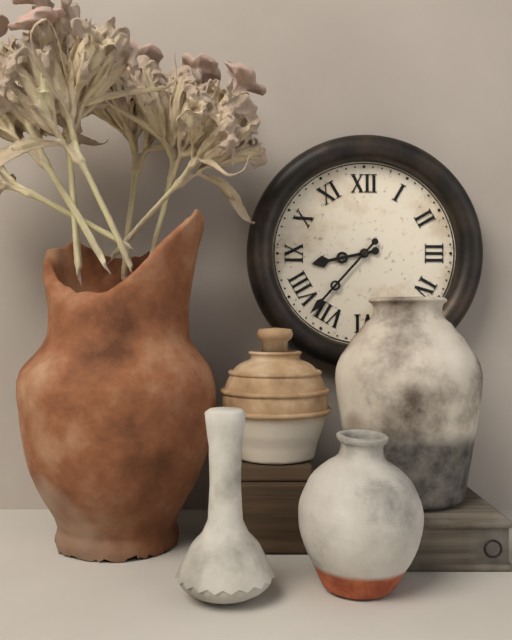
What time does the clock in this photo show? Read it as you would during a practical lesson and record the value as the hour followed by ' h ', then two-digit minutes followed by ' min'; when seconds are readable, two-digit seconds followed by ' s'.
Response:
8 h 37 min
